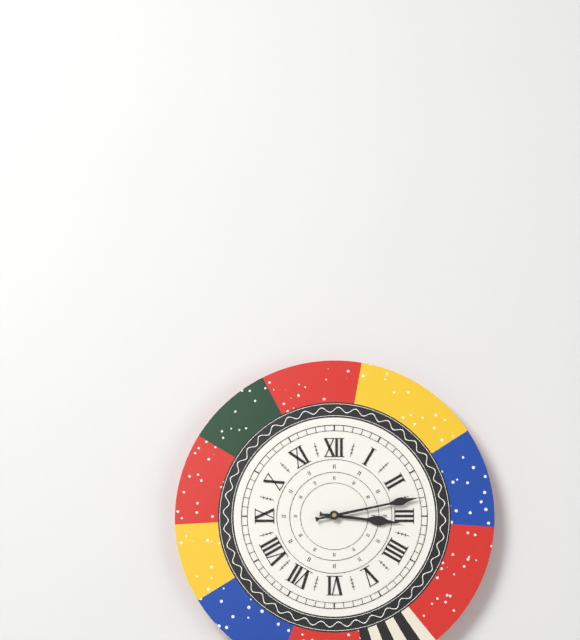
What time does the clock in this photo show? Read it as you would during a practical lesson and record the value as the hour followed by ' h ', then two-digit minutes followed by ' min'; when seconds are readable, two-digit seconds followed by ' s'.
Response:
3 h 13 min
